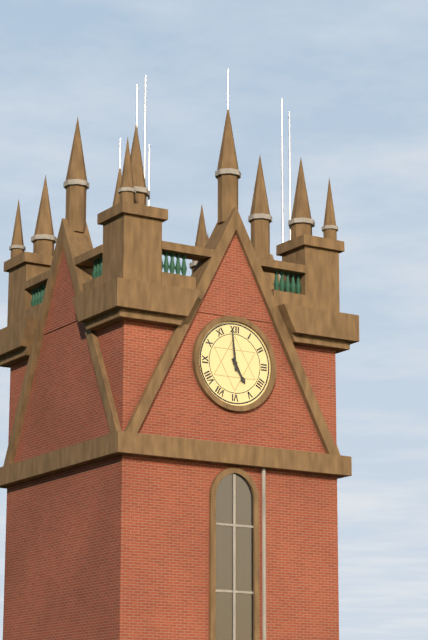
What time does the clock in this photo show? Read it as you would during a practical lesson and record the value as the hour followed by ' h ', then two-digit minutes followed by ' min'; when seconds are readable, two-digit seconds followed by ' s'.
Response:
4 h 59 min
